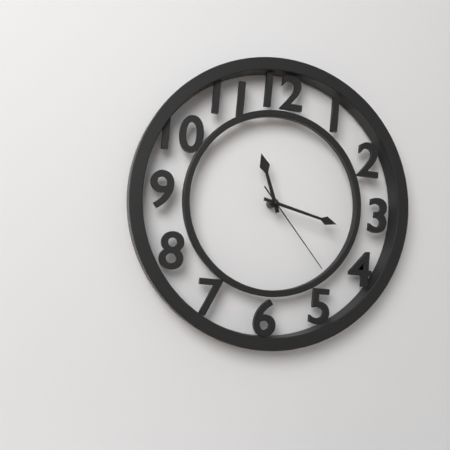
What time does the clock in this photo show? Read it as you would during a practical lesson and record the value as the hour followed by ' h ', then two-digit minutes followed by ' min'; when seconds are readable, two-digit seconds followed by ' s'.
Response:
11 h 17 min 23 s
